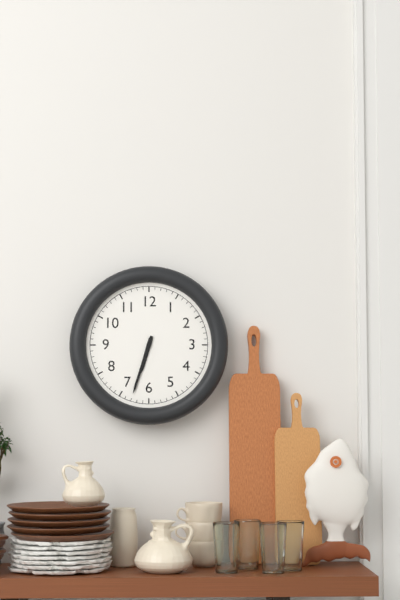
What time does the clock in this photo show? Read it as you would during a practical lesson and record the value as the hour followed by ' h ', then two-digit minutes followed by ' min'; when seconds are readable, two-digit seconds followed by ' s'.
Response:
6 h 33 min
